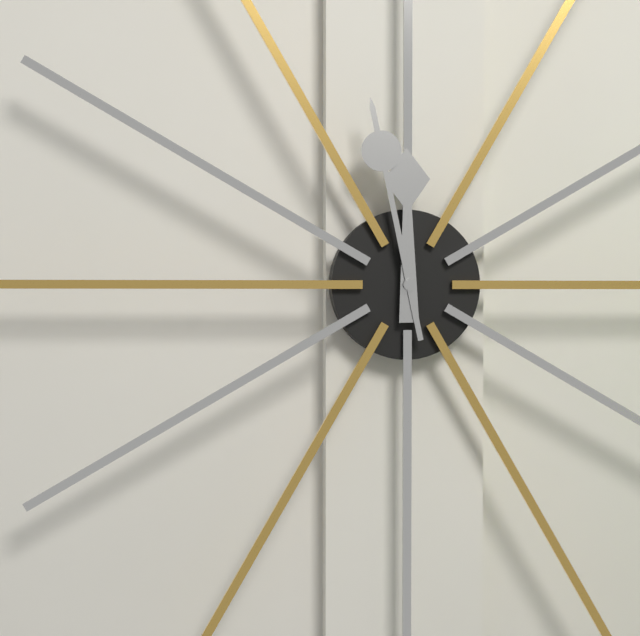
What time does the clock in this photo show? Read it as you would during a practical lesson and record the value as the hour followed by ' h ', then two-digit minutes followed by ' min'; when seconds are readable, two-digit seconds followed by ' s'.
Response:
11 h 58 min
